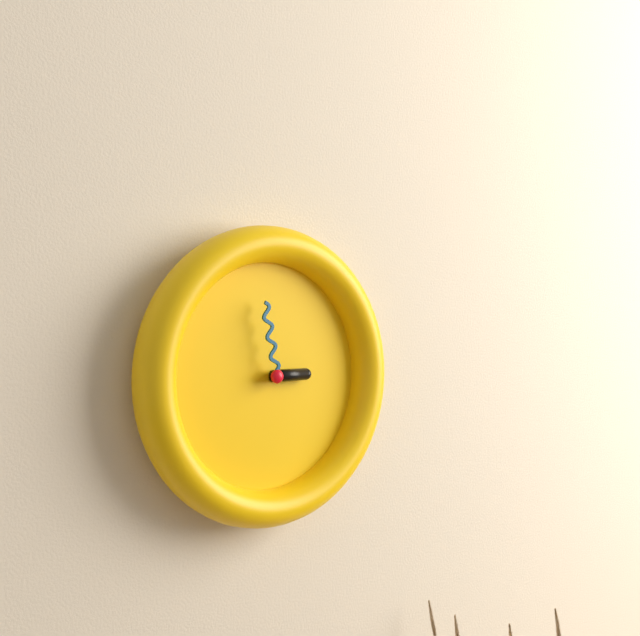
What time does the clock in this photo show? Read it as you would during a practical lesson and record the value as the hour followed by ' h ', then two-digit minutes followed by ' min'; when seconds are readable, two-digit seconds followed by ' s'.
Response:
2 h 58 min
